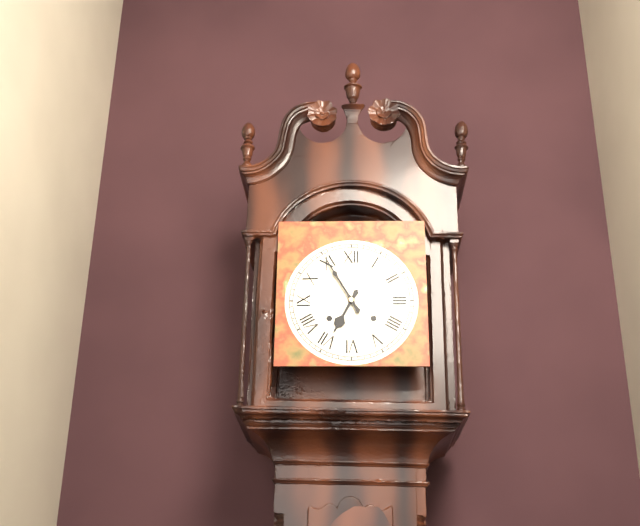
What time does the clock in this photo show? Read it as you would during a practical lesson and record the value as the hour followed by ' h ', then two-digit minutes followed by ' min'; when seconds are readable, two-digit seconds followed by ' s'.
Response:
6 h 55 min
